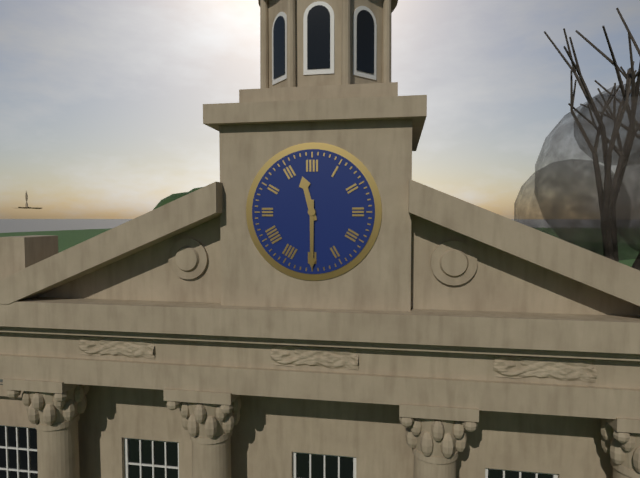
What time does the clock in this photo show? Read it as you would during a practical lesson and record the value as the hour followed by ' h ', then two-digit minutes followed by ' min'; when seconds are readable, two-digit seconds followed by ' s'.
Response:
11 h 30 min
